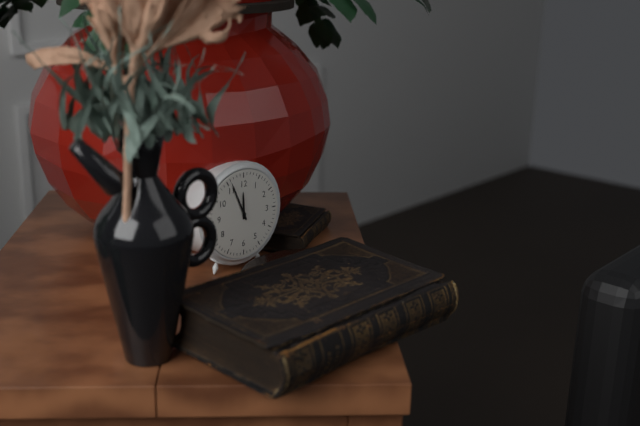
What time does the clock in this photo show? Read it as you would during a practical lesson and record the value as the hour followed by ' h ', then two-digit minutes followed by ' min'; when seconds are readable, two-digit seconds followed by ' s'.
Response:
11 h 56 min
